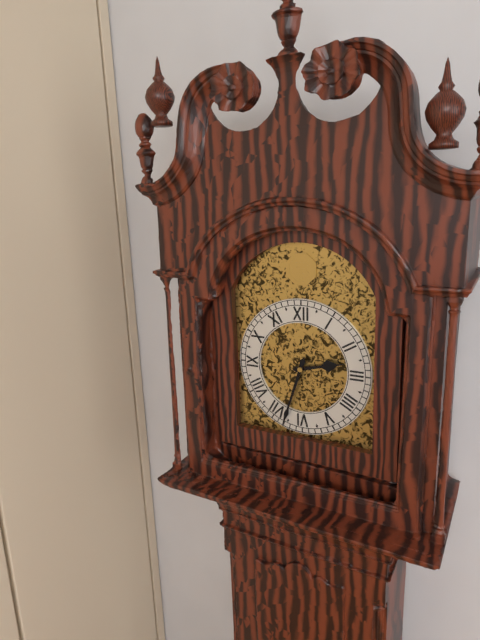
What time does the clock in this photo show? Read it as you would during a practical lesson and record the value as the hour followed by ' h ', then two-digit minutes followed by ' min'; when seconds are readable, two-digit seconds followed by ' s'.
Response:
2 h 33 min
